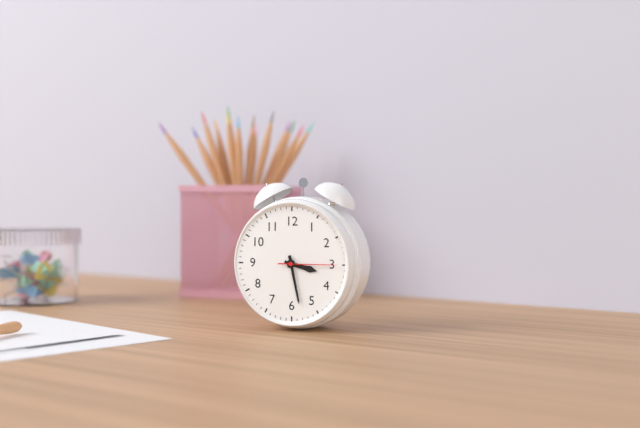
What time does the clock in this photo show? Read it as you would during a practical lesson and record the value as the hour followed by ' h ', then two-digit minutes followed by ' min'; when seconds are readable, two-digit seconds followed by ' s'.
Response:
3 h 28 min 15 s
